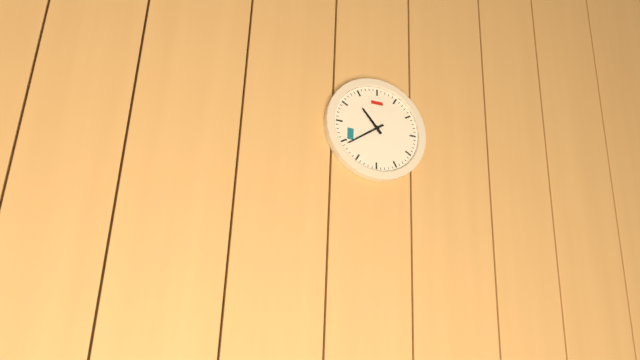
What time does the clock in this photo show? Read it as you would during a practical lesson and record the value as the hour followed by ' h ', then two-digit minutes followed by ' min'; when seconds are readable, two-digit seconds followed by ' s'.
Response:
10 h 39 min
